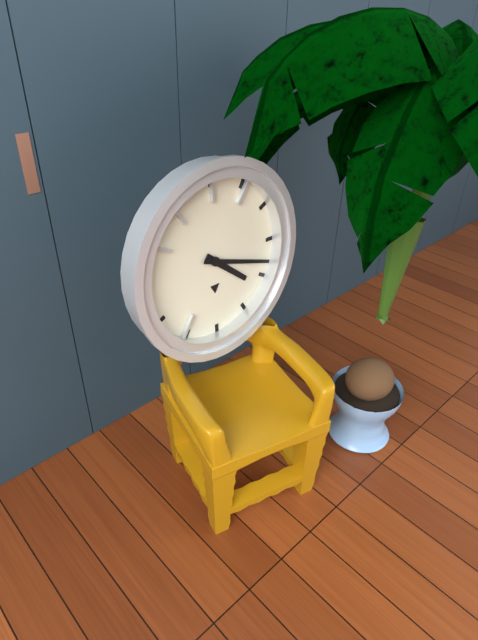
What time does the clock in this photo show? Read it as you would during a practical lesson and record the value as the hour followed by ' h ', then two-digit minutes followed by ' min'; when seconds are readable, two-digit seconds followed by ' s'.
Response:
4 h 18 min
